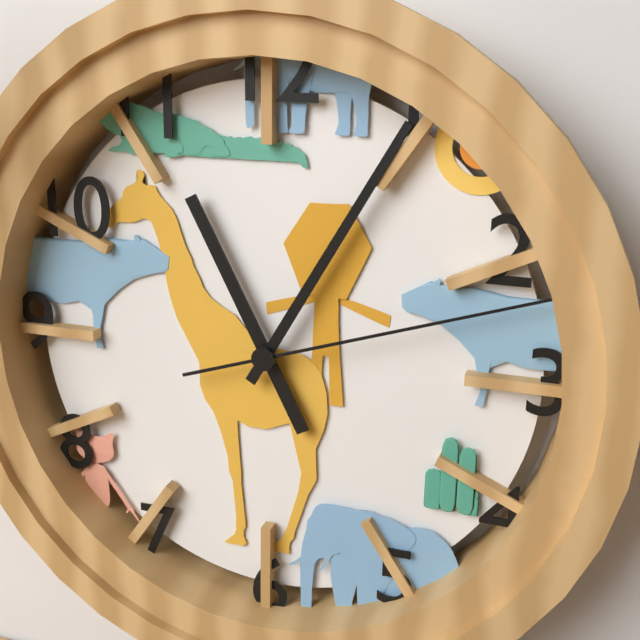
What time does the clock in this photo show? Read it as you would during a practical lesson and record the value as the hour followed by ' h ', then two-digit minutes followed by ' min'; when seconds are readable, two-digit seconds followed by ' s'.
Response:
11 h 05 min 12 s
